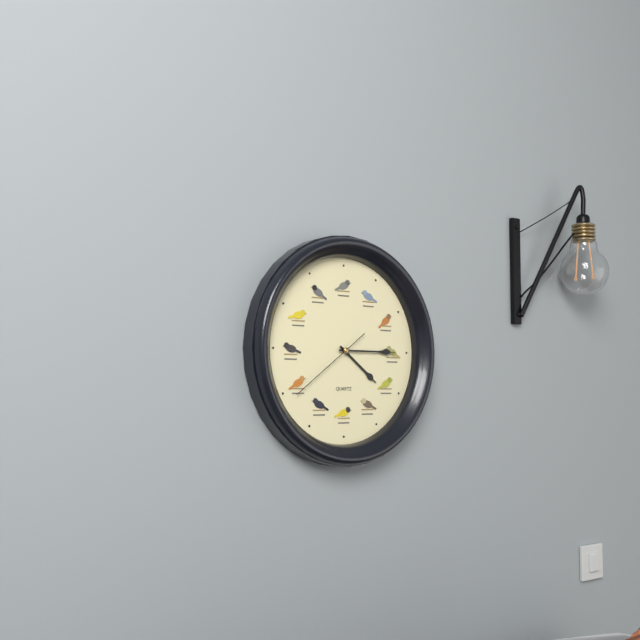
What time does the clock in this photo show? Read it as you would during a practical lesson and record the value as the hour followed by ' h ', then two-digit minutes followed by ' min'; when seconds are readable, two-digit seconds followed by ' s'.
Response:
4 h 15 min 39 s
